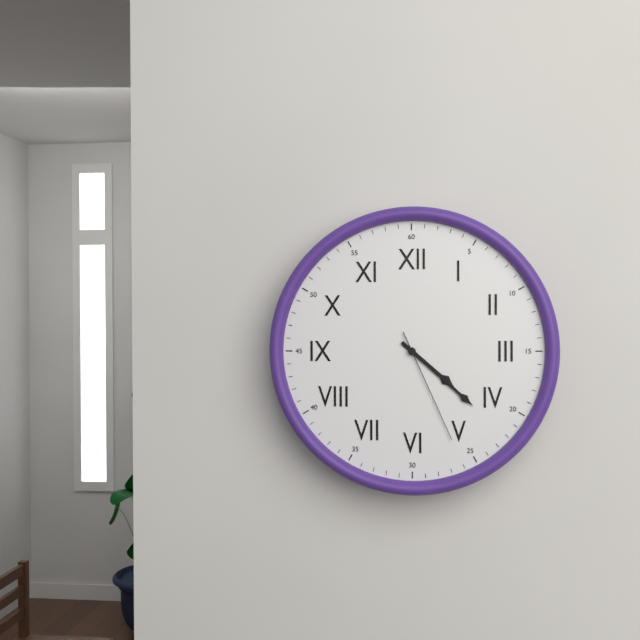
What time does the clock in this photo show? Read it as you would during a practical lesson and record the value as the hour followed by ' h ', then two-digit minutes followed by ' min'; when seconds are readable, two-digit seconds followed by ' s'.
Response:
4 h 22 min 26 s
